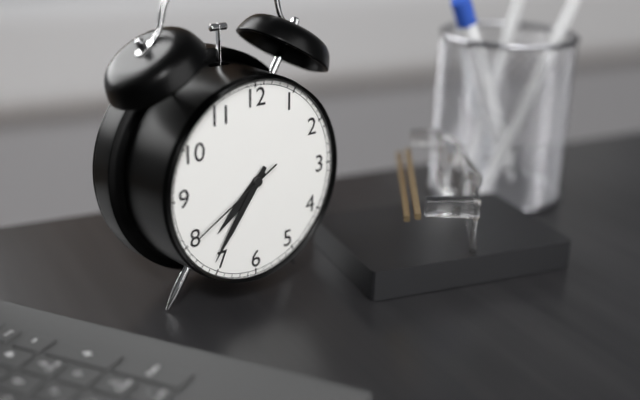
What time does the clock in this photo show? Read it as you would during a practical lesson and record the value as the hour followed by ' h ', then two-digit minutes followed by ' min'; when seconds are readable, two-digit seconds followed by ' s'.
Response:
7 h 36 min 40 s
